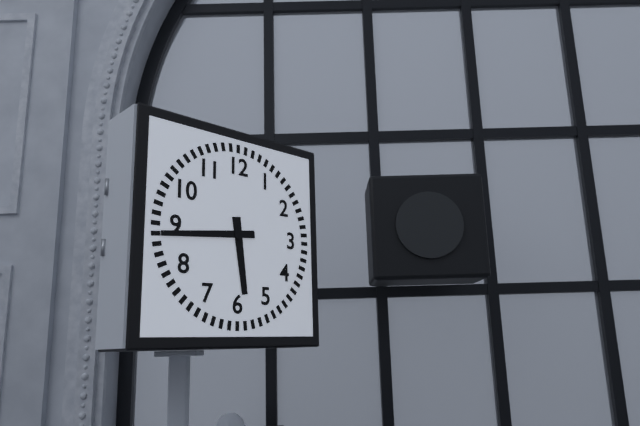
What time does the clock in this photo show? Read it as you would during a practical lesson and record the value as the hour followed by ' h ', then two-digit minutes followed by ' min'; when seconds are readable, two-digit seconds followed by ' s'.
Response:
5 h 44 min
